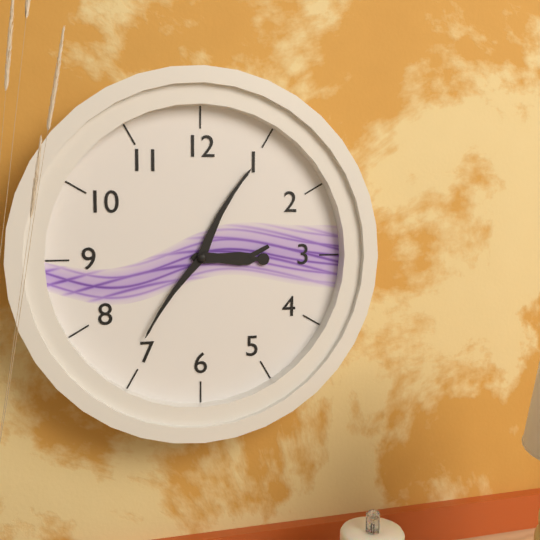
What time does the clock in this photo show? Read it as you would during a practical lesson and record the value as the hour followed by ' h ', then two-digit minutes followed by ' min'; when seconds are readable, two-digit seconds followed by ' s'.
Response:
3 h 05 min 36 s
